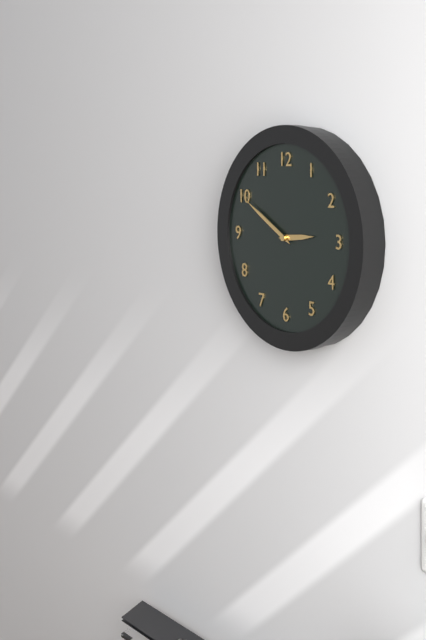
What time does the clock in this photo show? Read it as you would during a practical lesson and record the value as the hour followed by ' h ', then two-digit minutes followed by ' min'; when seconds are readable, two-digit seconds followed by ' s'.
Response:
2 h 50 min
